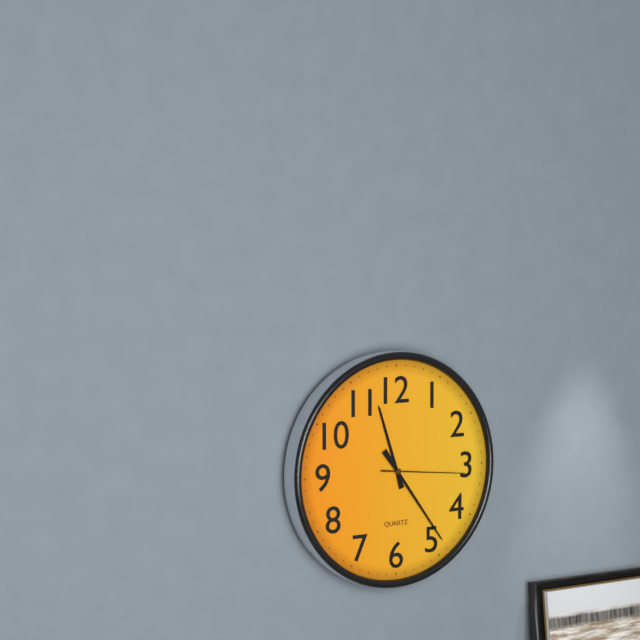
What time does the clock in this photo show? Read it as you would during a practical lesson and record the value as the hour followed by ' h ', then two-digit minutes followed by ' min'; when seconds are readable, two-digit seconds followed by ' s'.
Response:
11 h 24 min 16 s
